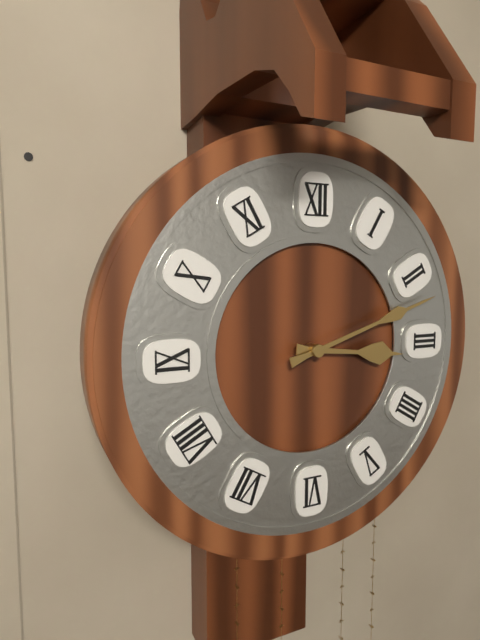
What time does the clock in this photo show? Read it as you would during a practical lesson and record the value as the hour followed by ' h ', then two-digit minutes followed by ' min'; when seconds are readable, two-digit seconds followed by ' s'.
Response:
3 h 12 min
